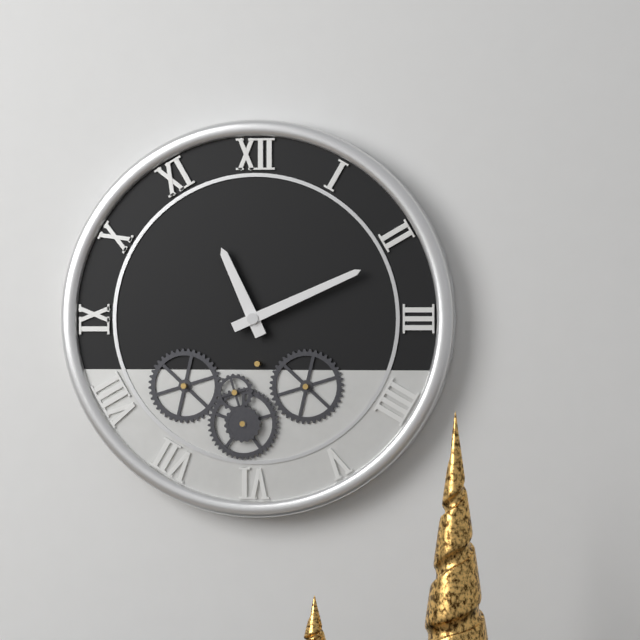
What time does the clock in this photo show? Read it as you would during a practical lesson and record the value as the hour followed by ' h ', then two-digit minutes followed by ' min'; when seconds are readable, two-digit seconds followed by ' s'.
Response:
11 h 11 min
